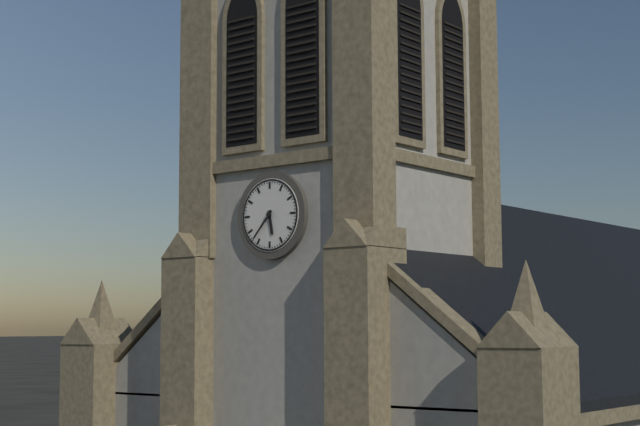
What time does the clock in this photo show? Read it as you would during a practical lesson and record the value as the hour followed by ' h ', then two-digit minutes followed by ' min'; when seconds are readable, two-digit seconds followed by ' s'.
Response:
5 h 37 min
